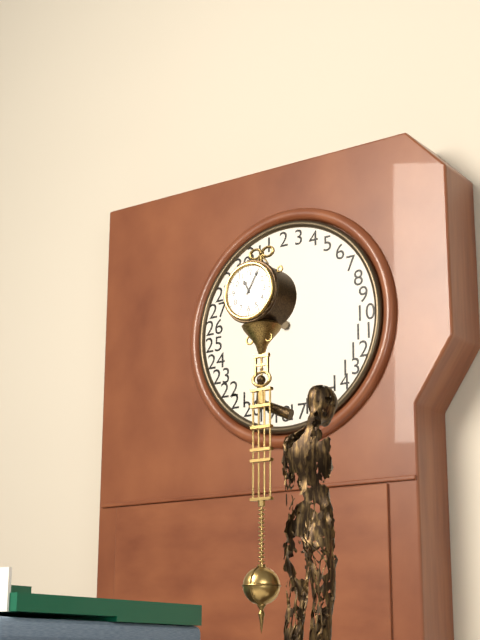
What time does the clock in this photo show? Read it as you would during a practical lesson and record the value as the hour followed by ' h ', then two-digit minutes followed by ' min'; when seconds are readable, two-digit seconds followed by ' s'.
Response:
11 h 05 min
